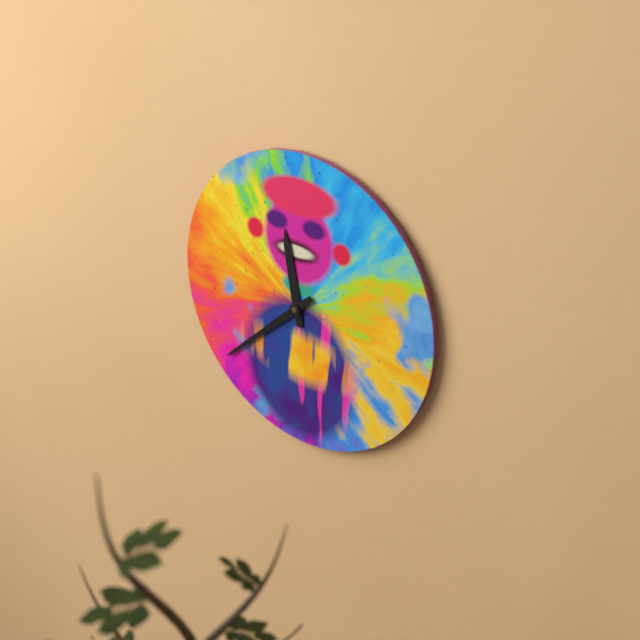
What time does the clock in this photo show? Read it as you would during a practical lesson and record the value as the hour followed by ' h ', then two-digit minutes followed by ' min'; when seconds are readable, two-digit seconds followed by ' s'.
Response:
11 h 38 min
